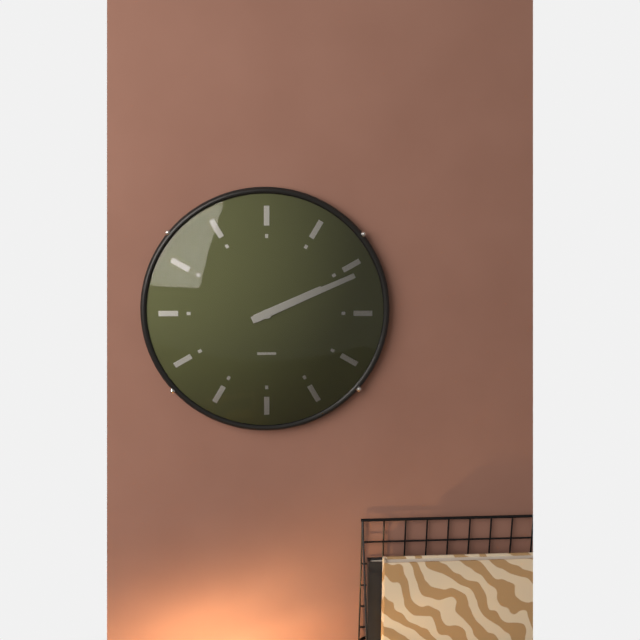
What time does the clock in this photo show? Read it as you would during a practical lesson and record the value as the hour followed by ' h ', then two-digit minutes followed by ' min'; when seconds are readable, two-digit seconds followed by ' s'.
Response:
2 h 11 min
